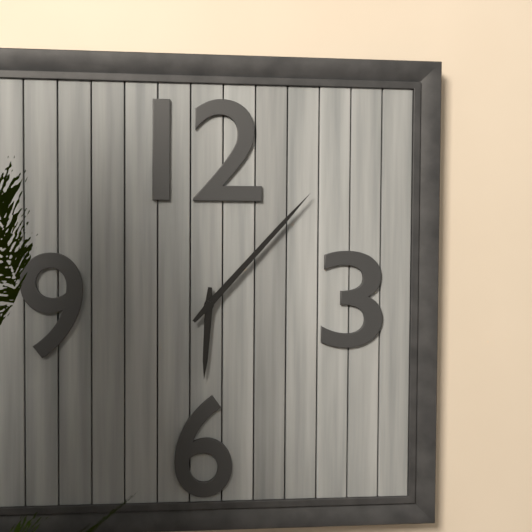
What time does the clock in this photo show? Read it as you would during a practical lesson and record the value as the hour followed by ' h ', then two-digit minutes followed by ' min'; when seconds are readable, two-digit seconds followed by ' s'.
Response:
6 h 07 min
